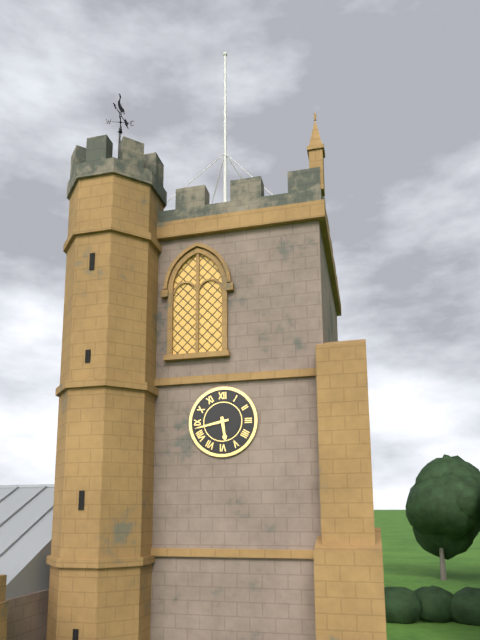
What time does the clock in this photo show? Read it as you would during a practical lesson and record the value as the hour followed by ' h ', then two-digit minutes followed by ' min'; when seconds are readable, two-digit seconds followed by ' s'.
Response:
5 h 43 min
